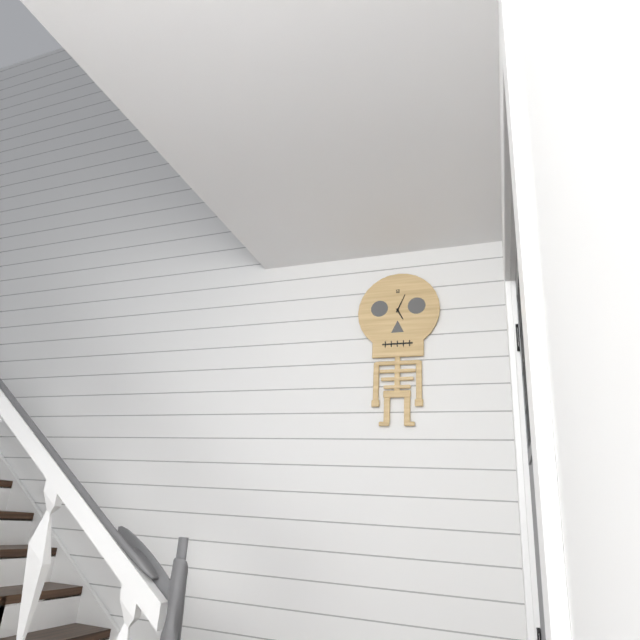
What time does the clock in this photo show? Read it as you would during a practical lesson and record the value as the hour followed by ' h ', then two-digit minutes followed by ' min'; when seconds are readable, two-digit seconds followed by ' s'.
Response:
5 h 04 min
